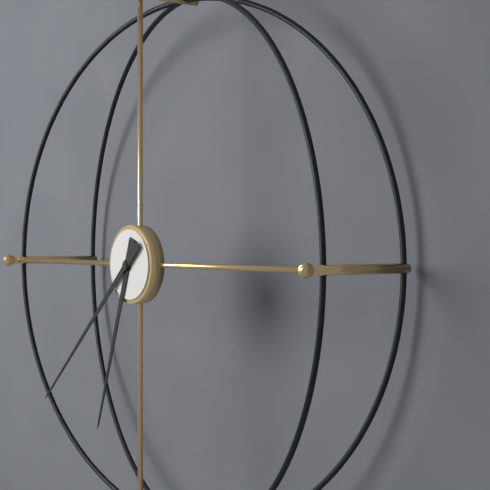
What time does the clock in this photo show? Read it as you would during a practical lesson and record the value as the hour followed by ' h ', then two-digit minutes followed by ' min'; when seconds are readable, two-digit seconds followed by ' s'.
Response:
6 h 38 min
